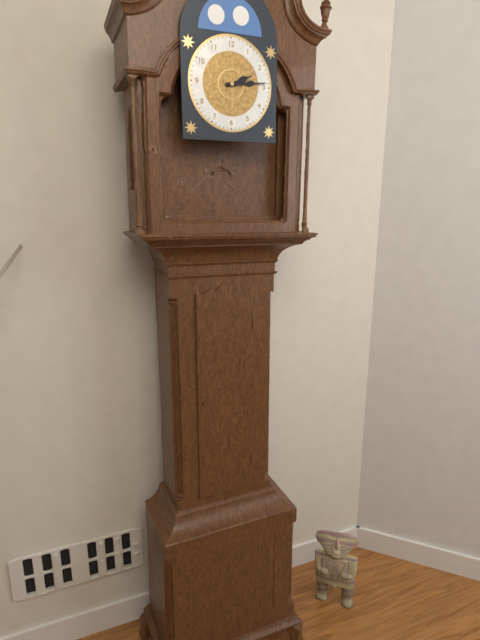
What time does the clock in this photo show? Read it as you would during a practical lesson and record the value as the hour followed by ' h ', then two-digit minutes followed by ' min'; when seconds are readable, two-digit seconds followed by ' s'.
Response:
2 h 14 min
